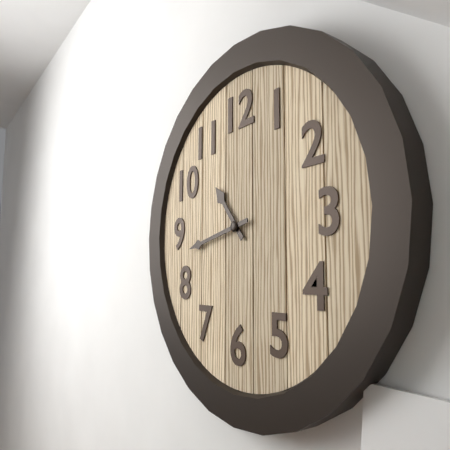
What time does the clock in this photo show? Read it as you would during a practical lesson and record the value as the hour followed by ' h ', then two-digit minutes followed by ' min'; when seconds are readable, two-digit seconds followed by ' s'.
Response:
10 h 43 min
